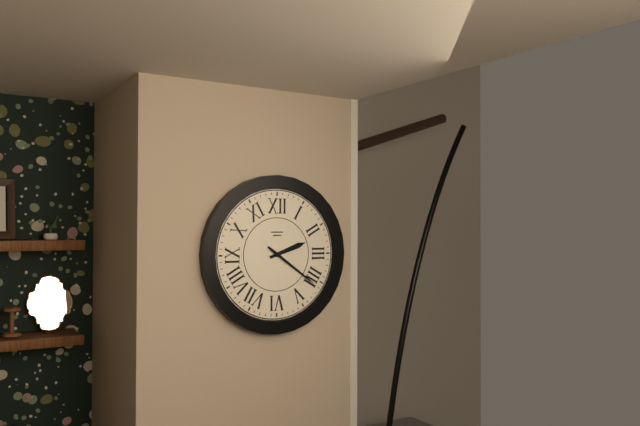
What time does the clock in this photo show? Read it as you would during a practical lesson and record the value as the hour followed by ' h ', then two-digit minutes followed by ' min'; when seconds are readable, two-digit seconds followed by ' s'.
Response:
2 h 21 min
